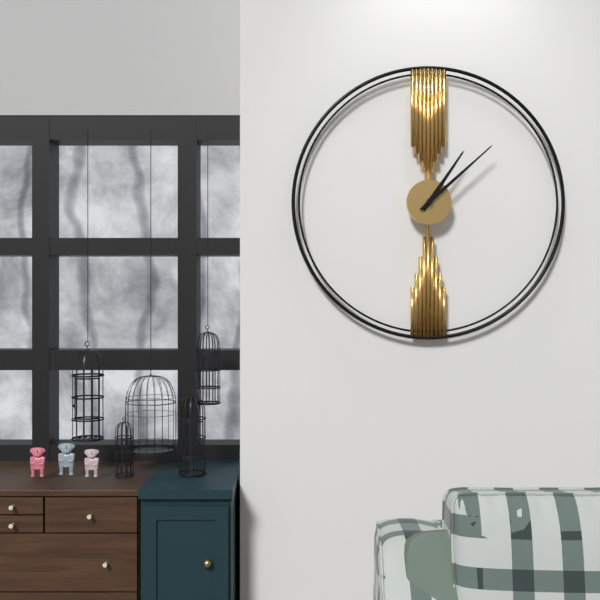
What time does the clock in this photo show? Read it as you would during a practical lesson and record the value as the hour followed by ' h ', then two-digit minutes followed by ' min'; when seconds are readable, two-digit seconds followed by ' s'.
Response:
1 h 08 min
